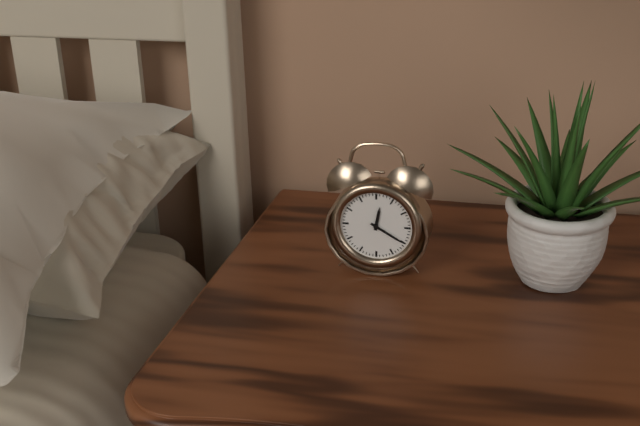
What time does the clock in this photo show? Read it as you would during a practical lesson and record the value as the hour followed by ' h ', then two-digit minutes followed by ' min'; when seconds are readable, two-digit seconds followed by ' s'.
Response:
12 h 20 min
